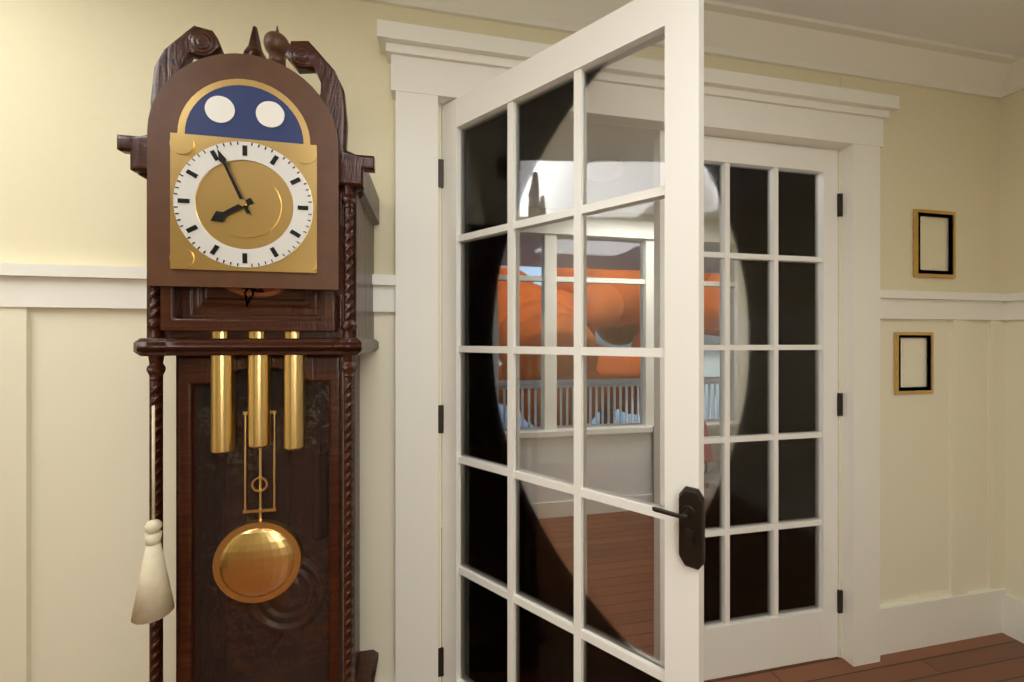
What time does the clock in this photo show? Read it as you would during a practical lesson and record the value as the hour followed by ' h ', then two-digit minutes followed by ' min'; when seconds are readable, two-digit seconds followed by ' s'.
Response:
7 h 56 min
